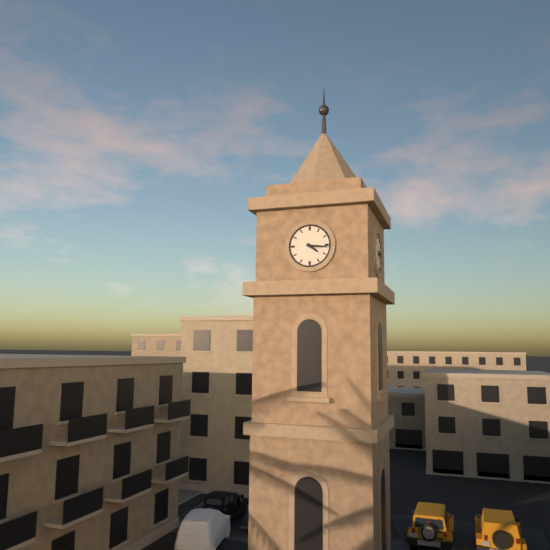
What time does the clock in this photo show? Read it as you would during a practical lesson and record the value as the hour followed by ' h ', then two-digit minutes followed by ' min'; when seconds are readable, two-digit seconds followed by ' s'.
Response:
4 h 16 min
